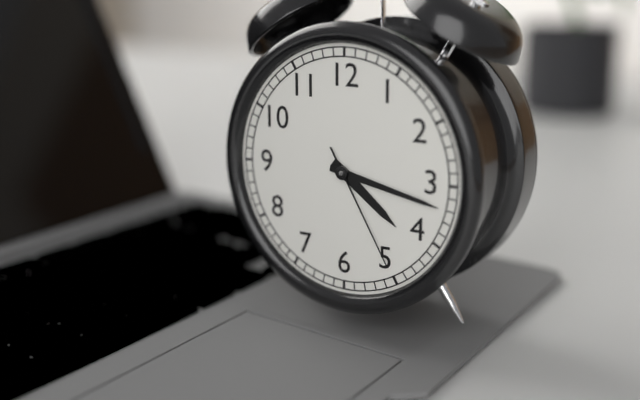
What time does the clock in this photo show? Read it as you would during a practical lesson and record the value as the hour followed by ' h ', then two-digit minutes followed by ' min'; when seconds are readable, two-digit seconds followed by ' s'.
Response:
4 h 17 min 25 s
